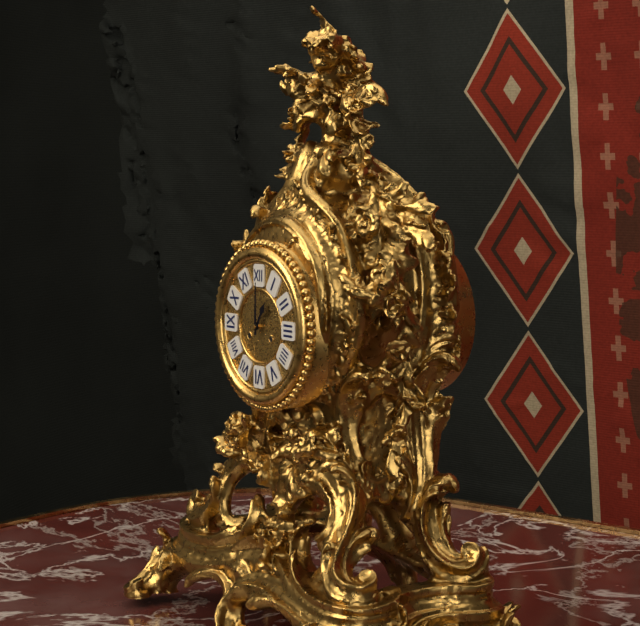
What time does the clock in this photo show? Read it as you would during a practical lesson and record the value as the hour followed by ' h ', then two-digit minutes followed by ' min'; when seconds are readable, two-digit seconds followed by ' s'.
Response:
1 h 00 min
